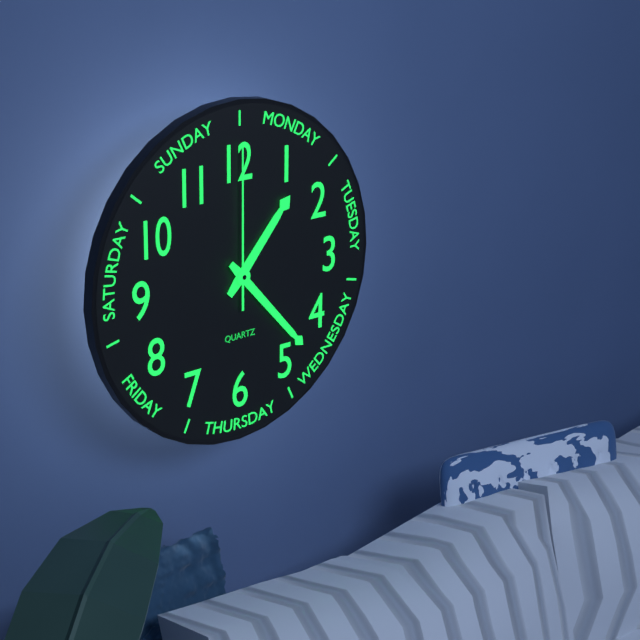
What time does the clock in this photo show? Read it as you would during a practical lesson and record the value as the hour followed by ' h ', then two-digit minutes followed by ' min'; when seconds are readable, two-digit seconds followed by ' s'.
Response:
1 h 23 min 00 s
